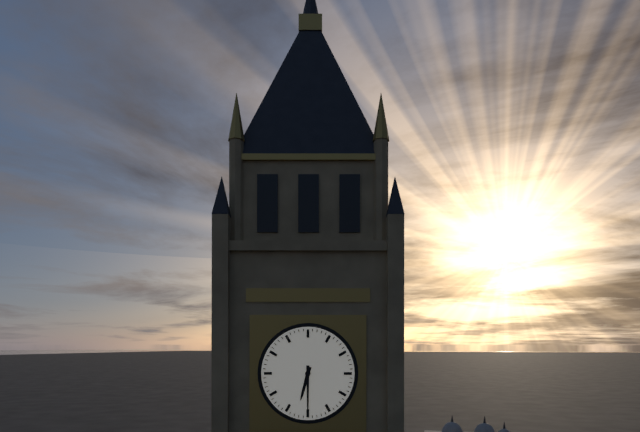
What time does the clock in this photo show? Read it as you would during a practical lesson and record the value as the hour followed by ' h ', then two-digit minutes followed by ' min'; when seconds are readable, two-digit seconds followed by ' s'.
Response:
6 h 30 min
